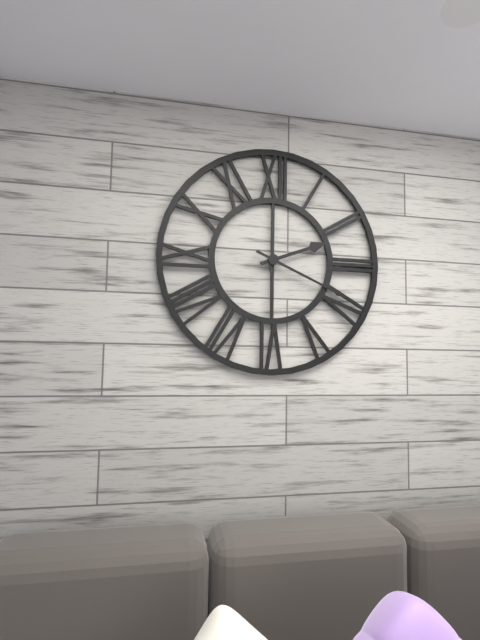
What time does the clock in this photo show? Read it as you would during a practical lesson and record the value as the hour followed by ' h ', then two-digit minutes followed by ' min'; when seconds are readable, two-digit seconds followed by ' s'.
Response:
2 h 19 min
